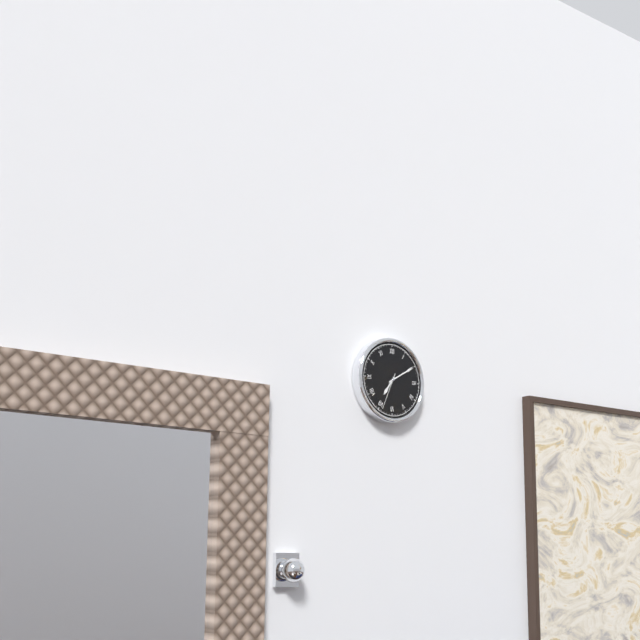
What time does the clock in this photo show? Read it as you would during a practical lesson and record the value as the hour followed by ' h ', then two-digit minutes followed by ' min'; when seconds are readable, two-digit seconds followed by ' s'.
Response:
7 h 10 min
